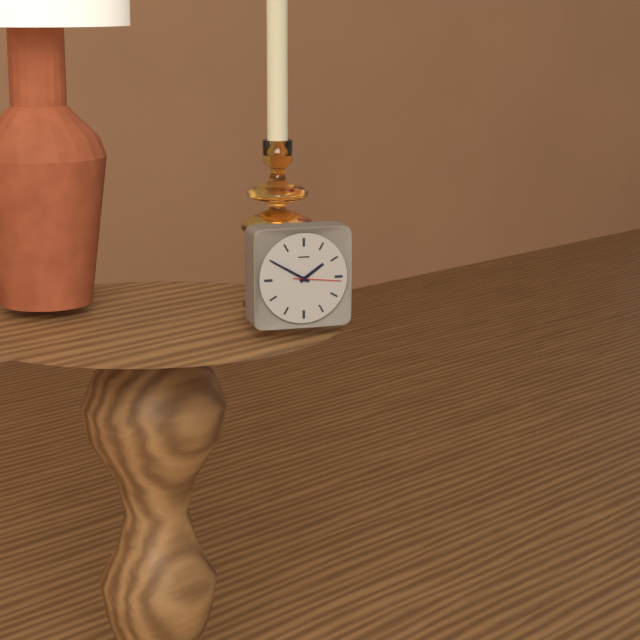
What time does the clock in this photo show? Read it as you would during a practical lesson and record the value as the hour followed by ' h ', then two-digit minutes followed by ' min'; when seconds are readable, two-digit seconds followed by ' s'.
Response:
1 h 50 min 16 s
